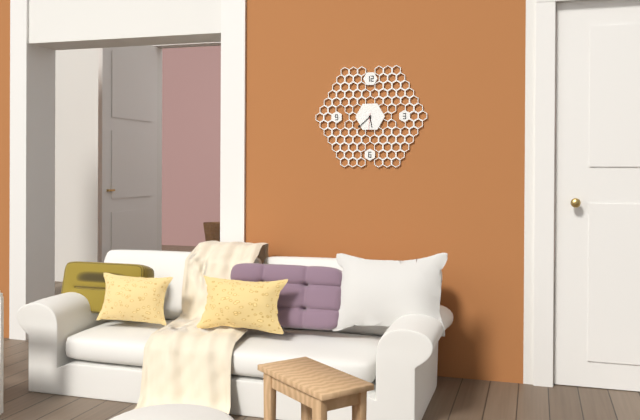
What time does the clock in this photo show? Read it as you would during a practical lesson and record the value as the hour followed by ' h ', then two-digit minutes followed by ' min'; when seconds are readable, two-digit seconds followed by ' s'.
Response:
5 h 38 min
